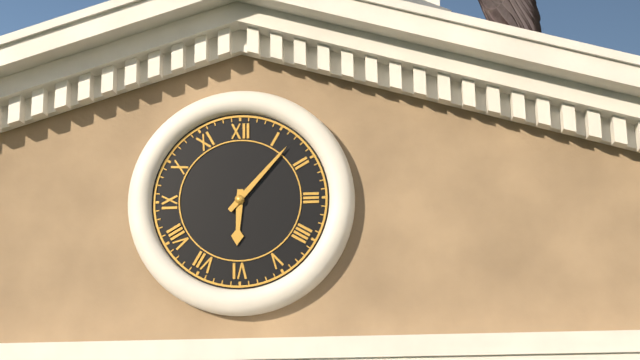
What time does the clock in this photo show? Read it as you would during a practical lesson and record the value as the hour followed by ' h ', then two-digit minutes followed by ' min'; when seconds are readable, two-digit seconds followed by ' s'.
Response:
6 h 07 min
